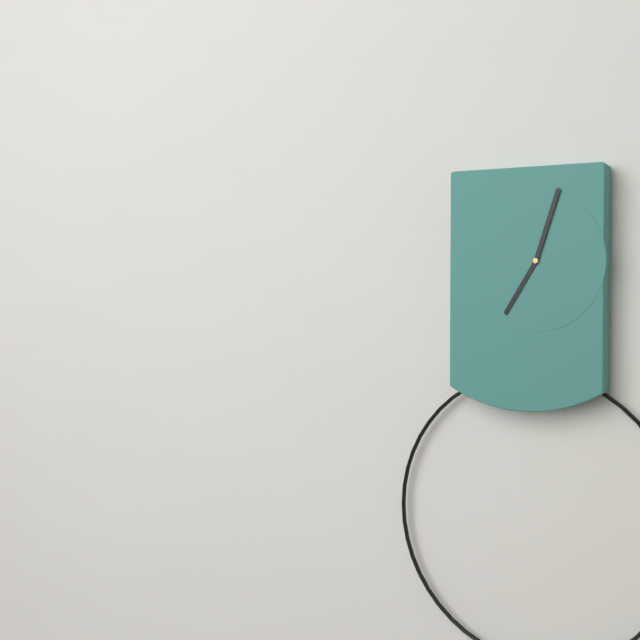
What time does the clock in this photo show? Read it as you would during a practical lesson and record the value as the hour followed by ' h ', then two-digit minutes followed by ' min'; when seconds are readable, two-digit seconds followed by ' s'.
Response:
7 h 03 min
